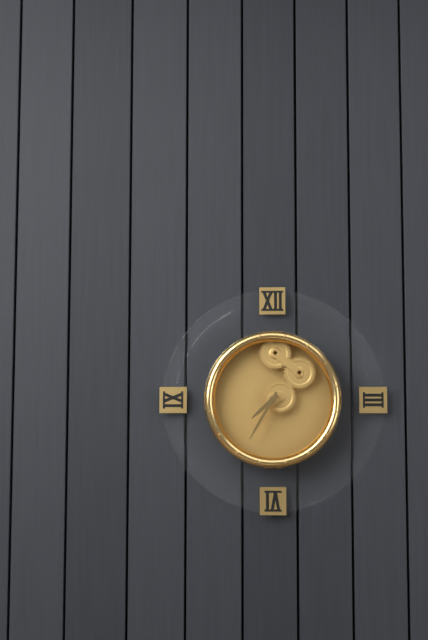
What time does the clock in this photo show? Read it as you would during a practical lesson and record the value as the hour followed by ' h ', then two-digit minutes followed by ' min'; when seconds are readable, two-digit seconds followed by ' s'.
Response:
7 h 35 min
